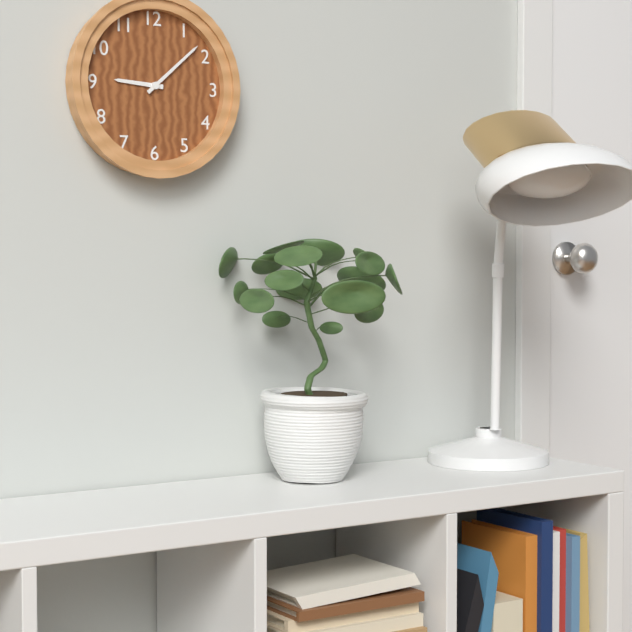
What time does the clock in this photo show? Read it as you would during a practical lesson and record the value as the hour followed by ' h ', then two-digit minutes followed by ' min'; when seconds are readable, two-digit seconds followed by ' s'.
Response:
9 h 08 min
